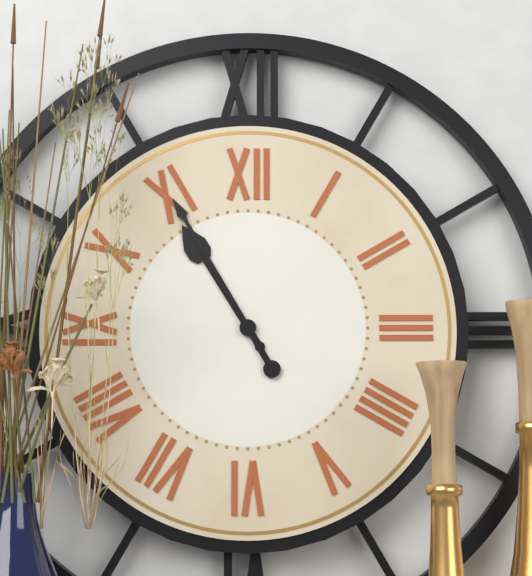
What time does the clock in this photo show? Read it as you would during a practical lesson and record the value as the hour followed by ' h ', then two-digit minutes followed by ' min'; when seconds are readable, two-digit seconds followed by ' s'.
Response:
10 h 55 min
